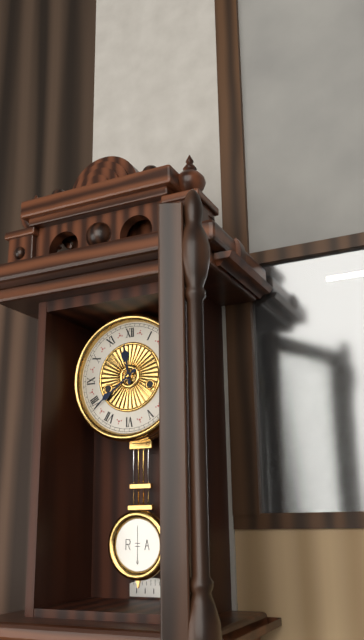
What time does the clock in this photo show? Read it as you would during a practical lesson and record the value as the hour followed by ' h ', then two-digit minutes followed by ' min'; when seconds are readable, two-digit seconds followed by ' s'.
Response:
11 h 39 min
